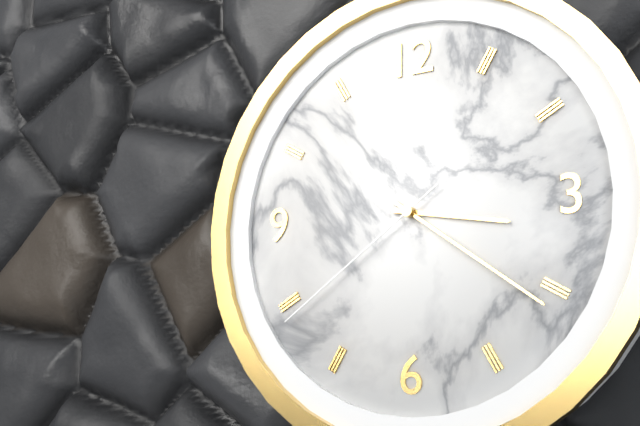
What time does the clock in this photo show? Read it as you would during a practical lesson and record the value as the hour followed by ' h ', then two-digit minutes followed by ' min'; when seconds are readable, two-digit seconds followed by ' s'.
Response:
3 h 21 min 39 s
